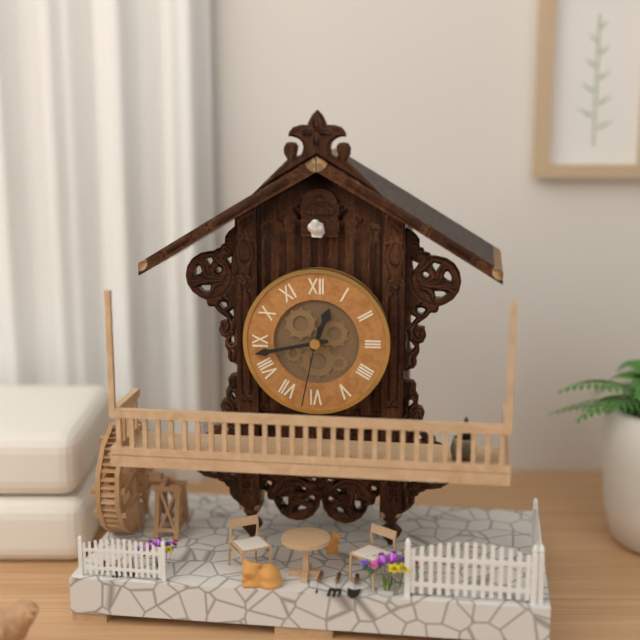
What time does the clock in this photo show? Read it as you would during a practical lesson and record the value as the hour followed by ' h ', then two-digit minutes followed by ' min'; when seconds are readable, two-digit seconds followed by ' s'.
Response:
12 h 43 min 32 s
